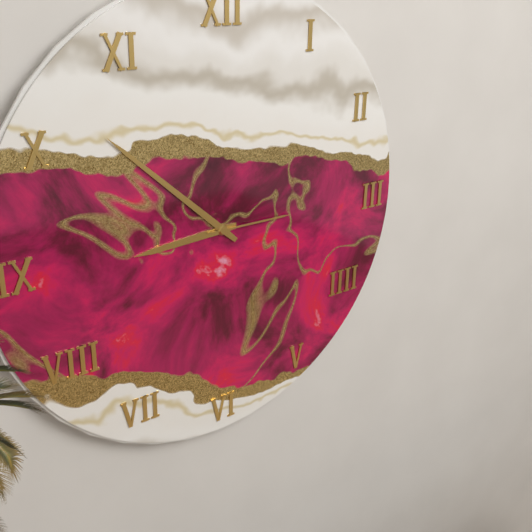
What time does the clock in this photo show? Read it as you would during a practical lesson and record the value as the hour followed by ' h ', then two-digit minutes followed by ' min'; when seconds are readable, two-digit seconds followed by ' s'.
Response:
8 h 52 min 15 s
